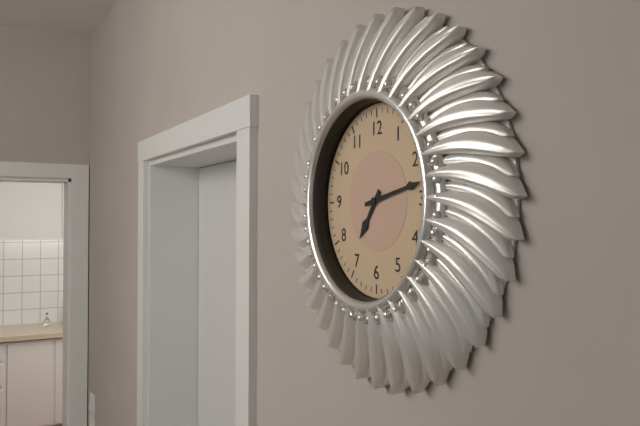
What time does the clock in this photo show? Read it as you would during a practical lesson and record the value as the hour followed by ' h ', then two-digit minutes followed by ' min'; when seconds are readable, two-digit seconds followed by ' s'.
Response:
7 h 13 min
